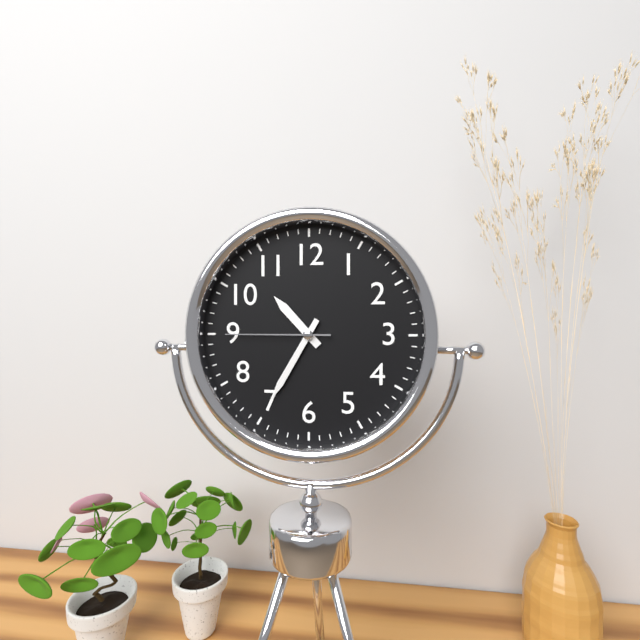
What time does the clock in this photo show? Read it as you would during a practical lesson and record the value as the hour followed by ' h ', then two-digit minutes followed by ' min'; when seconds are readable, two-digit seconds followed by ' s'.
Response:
10 h 35 min 45 s
